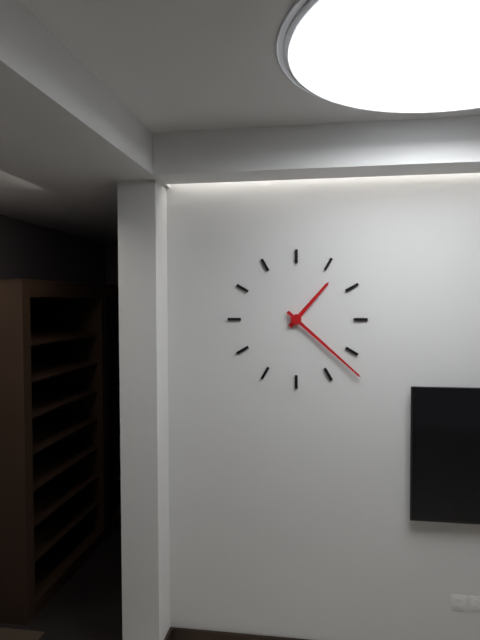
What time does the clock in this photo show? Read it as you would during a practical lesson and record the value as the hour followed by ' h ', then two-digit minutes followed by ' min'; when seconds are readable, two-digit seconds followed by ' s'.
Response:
1 h 22 min
